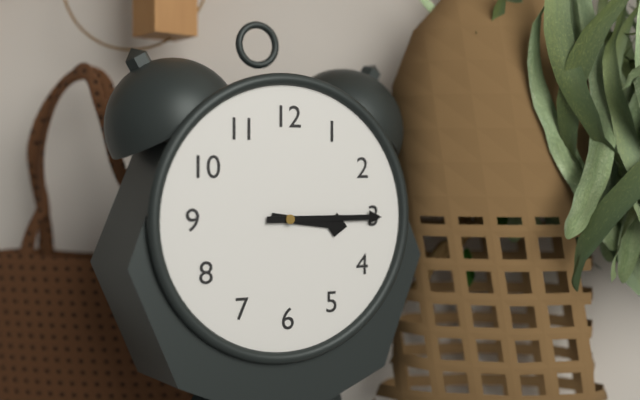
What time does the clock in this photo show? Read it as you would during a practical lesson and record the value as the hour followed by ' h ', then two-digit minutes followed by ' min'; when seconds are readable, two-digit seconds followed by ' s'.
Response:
3 h 15 min
